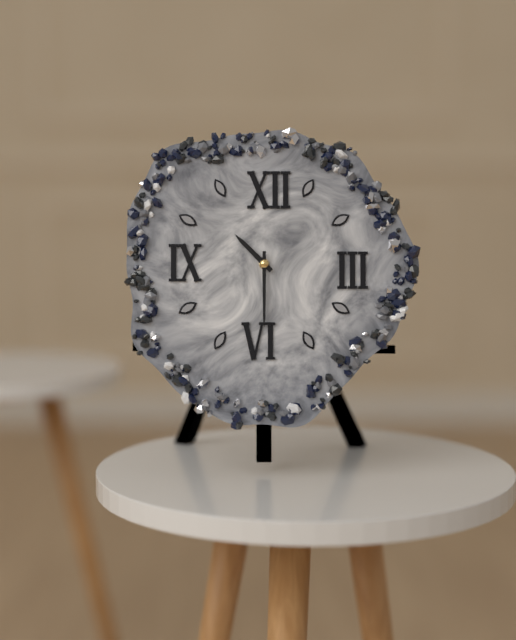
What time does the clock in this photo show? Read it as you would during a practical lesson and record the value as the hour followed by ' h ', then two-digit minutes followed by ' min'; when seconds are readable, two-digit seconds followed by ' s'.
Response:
10 h 30 min
